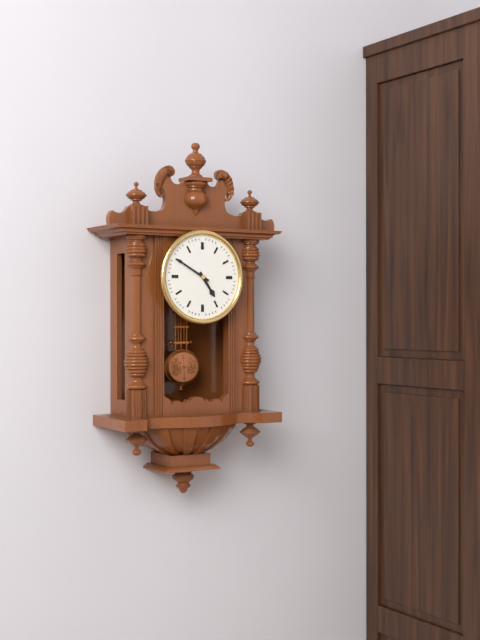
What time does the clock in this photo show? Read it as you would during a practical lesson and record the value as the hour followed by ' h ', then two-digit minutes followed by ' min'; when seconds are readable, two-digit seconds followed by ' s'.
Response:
4 h 50 min
